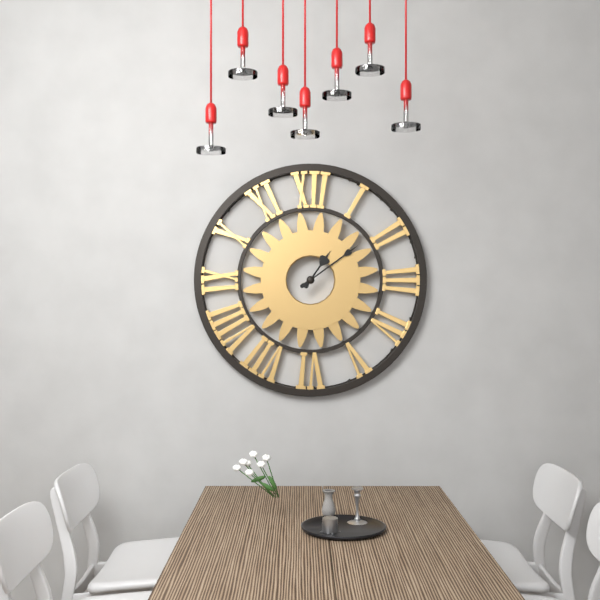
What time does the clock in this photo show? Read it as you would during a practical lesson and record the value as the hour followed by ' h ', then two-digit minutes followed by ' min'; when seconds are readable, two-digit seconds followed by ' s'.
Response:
1 h 09 min
